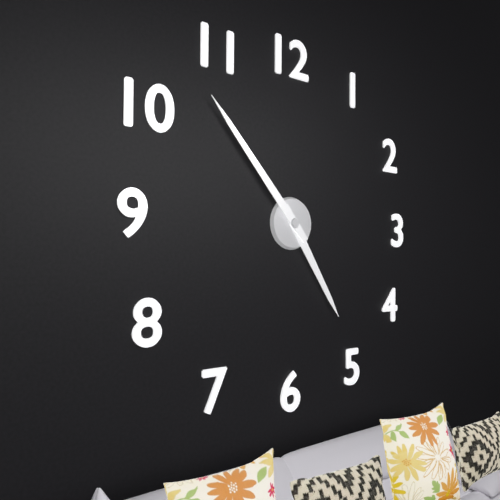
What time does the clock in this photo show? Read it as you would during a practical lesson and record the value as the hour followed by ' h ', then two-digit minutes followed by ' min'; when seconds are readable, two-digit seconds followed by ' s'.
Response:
4 h 53 min
